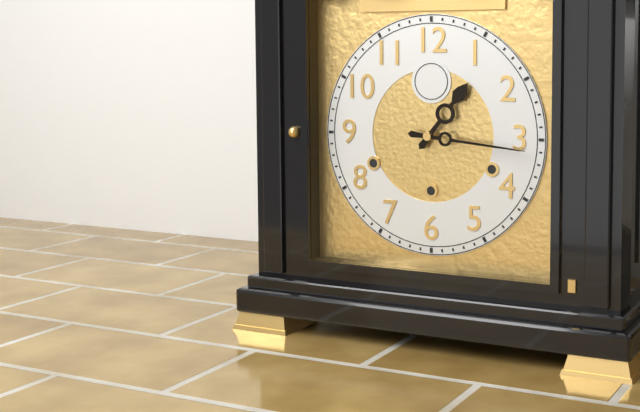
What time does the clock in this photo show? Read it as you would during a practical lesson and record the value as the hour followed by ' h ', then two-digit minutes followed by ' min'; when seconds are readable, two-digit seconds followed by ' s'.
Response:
1 h 16 min
